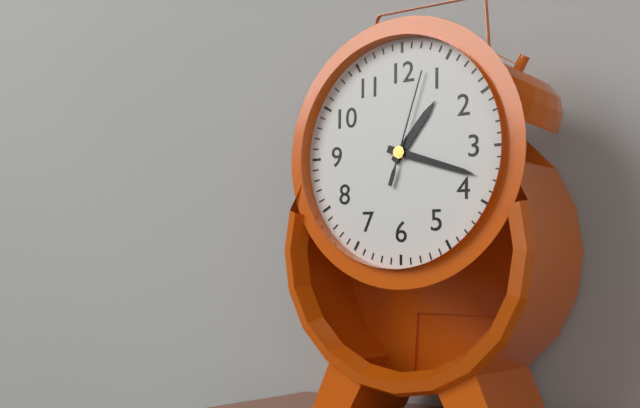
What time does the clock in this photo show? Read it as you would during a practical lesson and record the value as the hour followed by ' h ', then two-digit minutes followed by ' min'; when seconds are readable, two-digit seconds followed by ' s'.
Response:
1 h 18 min 03 s
